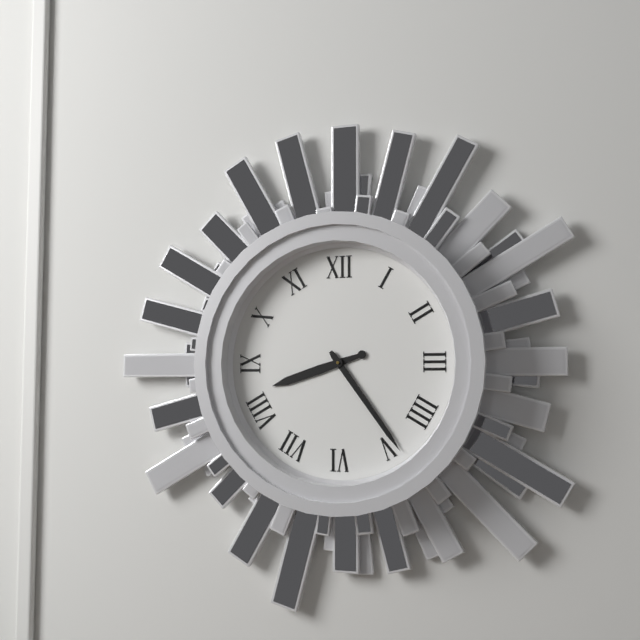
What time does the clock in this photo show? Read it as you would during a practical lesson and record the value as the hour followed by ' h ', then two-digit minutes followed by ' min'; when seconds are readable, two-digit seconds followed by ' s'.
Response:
8 h 24 min
